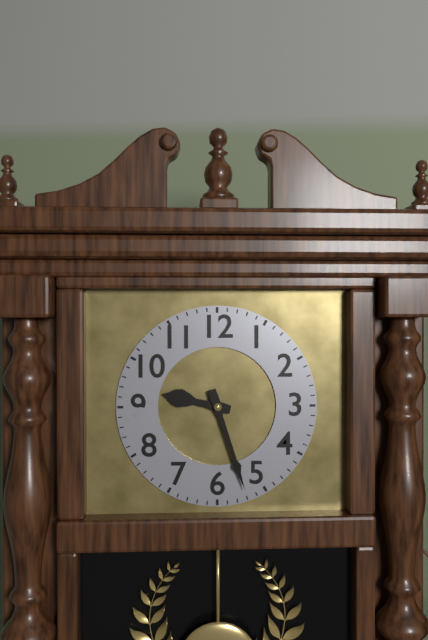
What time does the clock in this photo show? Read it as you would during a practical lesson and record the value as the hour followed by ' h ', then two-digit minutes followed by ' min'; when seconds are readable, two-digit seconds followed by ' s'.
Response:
9 h 27 min
